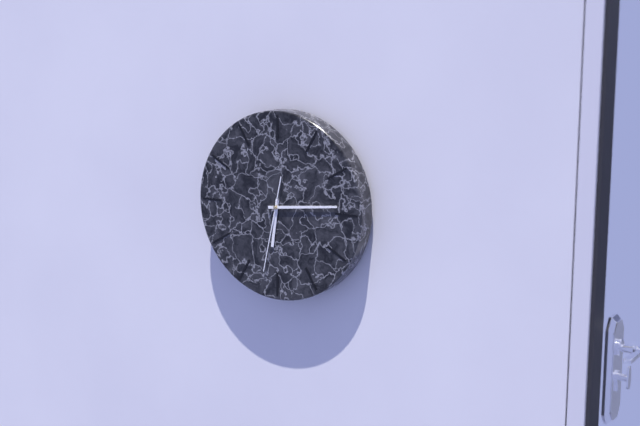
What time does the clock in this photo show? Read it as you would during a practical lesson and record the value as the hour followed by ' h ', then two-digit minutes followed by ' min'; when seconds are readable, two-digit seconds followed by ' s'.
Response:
6 h 14 min 32 s
